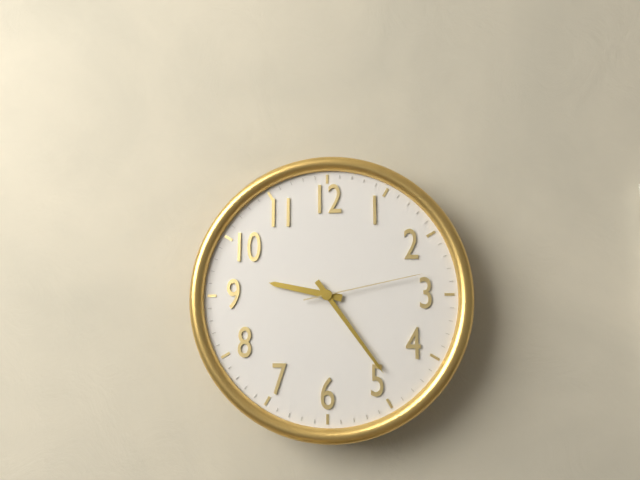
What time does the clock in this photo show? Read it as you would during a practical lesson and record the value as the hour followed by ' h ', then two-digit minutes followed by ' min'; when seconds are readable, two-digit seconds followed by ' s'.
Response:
9 h 24 min 13 s
